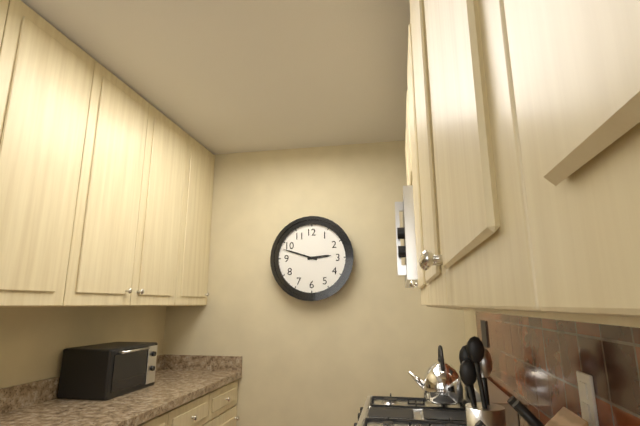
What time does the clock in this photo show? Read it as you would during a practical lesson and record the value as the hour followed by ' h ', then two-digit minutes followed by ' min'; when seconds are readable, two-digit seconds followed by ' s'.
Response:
2 h 48 min
